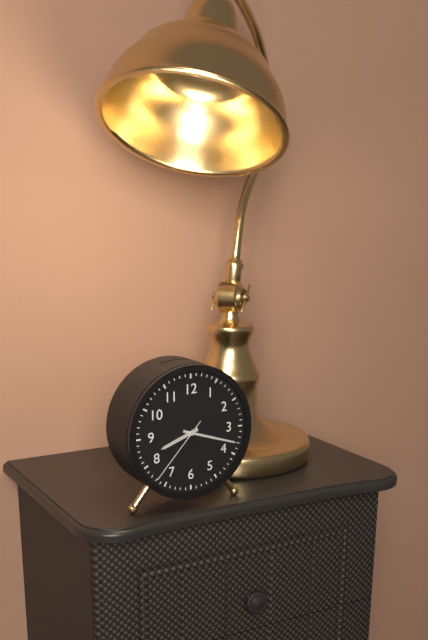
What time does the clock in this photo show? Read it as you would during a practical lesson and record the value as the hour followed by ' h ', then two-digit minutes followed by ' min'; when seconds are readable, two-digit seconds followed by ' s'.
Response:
8 h 18 min 37 s
